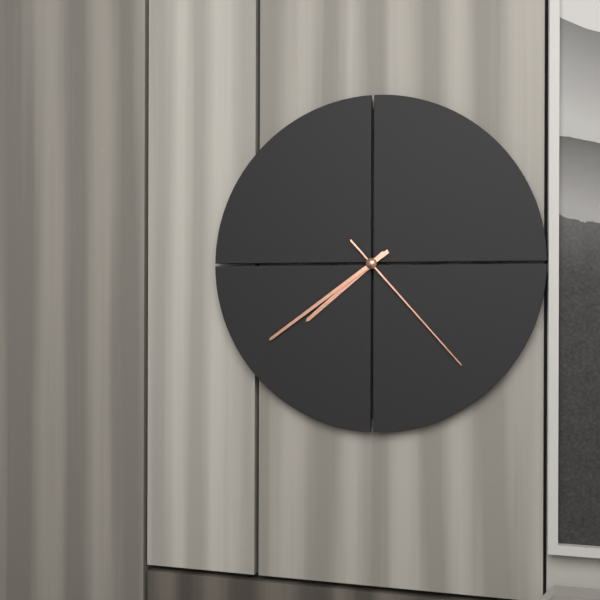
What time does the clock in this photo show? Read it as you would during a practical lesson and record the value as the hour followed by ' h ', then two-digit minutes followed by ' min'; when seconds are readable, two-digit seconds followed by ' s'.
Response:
7 h 39 min 23 s
